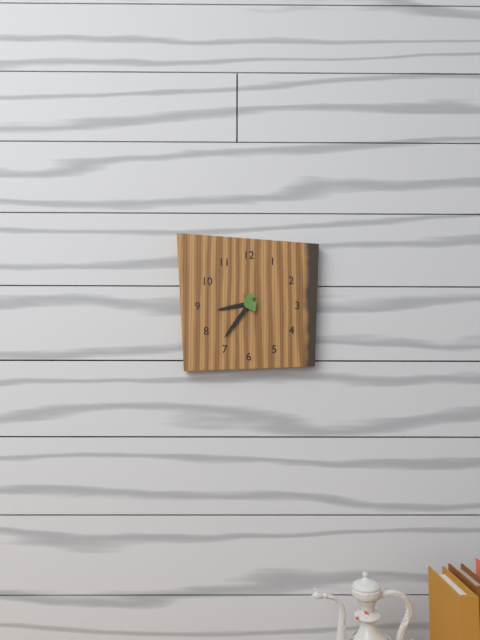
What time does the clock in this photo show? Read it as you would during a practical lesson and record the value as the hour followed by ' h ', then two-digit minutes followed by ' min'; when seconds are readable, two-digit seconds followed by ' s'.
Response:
8 h 36 min
